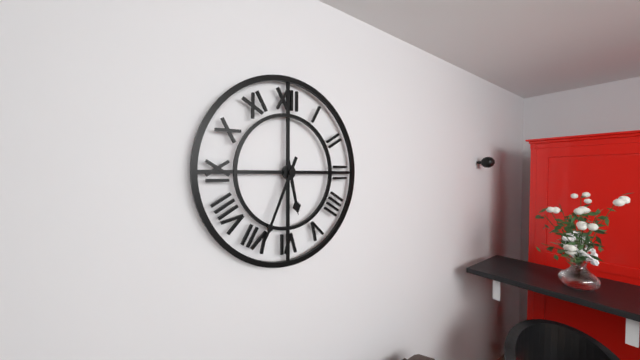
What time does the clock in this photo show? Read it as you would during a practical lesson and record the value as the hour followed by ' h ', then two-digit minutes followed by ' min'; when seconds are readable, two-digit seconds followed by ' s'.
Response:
5 h 34 min
